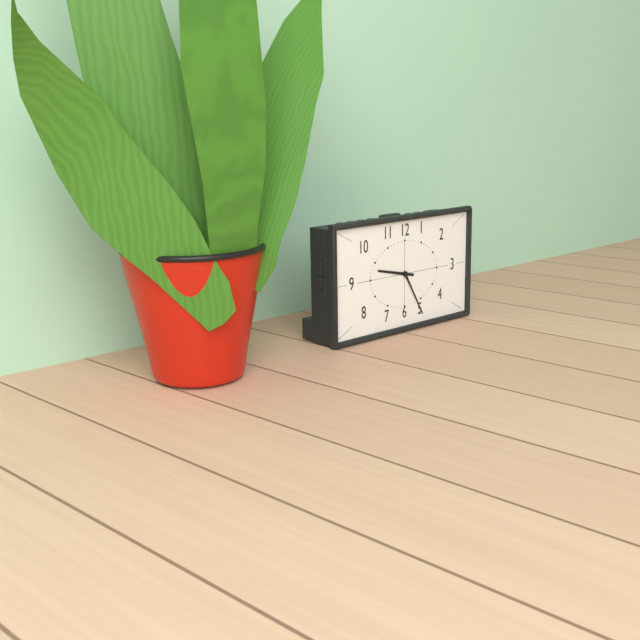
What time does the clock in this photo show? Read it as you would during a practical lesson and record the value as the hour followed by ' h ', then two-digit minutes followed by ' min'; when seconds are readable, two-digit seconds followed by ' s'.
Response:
9 h 25 min
